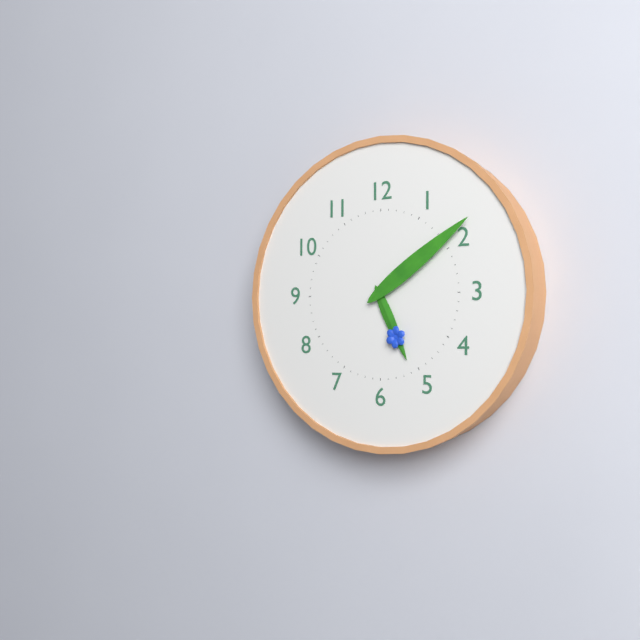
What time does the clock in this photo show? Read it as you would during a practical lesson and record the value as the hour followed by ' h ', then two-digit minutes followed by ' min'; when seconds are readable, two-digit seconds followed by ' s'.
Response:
5 h 09 min
